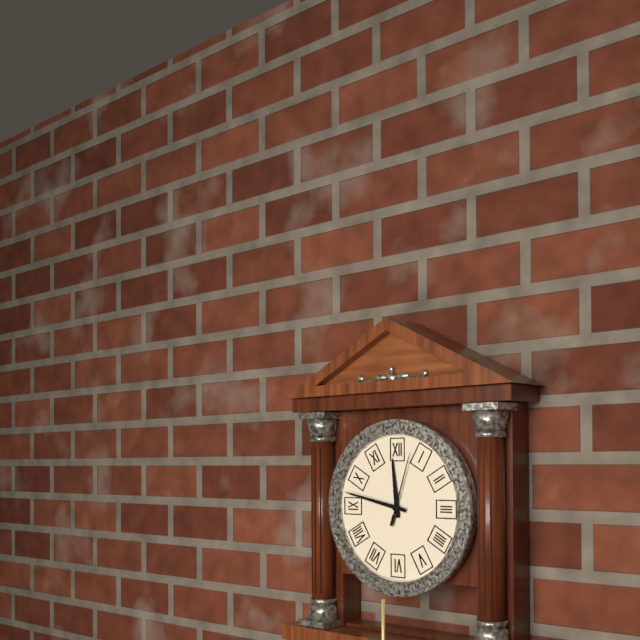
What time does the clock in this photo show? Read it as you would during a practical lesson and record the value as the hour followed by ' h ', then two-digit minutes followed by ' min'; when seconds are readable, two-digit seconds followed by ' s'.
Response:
11 h 47 min 03 s
